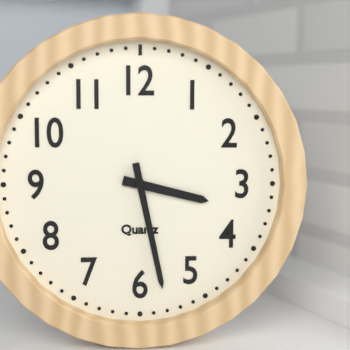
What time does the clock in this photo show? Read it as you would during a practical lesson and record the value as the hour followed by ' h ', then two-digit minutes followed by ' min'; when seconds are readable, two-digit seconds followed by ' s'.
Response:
3 h 28 min
